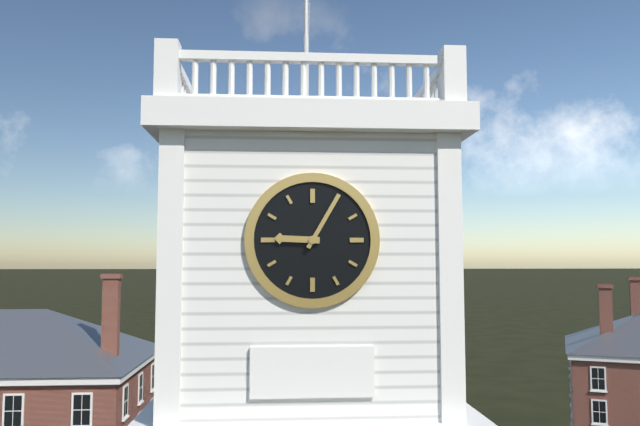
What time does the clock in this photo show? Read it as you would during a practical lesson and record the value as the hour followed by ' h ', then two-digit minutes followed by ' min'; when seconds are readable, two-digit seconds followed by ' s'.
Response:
9 h 05 min
